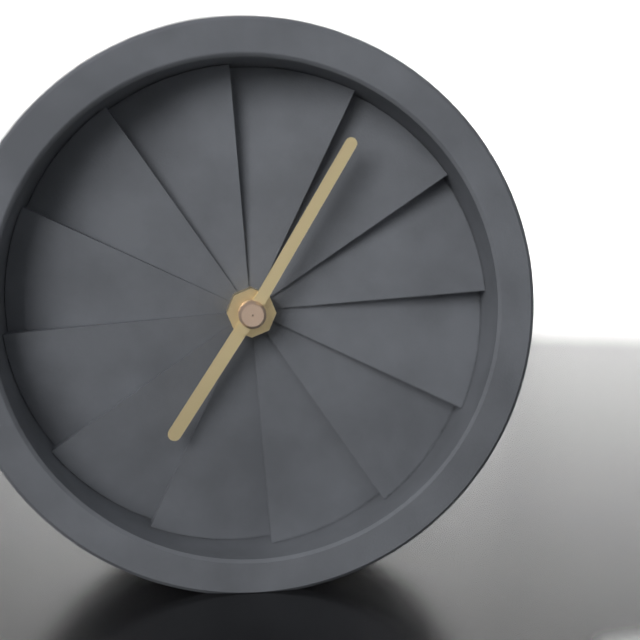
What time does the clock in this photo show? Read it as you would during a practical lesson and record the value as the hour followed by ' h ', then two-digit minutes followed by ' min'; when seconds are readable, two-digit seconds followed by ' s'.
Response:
7 h 05 min
